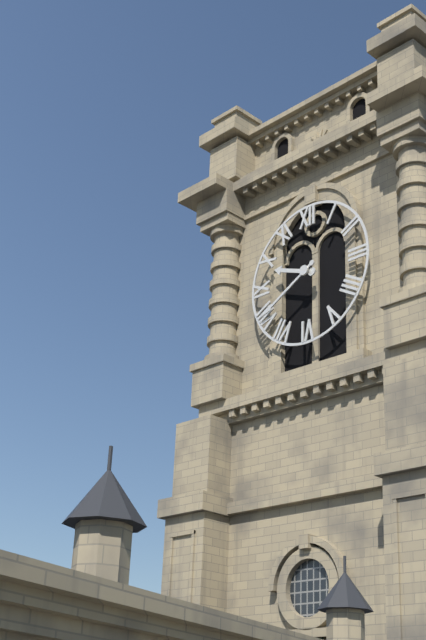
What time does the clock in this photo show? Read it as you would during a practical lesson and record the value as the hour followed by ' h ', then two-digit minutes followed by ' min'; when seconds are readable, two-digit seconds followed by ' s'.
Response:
9 h 40 min
